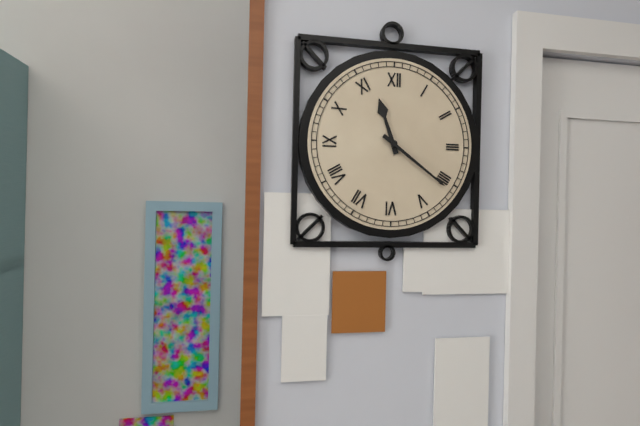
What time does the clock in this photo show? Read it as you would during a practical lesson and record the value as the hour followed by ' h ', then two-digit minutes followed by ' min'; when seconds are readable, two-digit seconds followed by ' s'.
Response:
11 h 21 min
